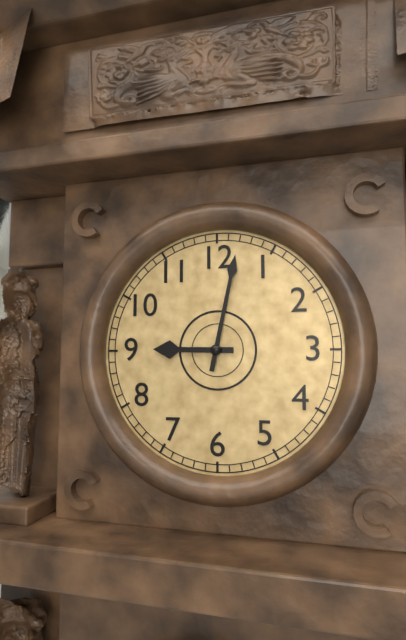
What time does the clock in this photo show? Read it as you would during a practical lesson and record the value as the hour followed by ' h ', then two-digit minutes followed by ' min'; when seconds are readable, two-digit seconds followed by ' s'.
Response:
9 h 02 min
